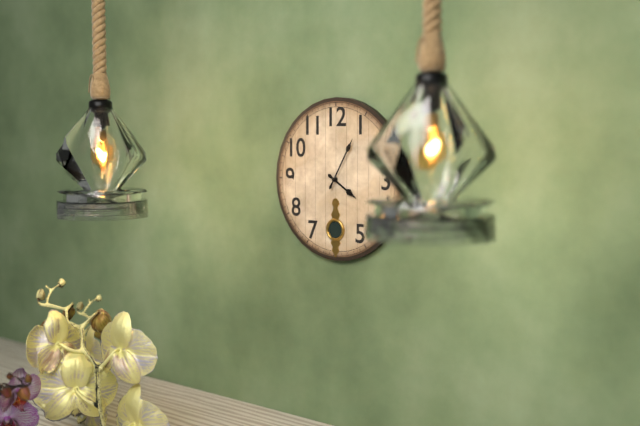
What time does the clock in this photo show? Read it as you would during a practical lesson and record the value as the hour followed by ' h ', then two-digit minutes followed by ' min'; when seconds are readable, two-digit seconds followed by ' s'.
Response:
4 h 05 min
